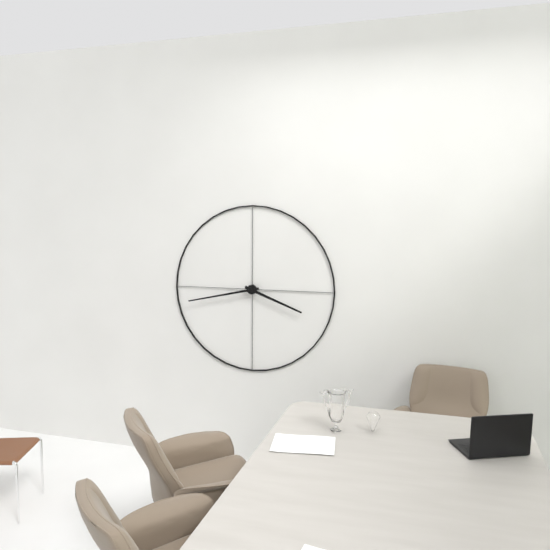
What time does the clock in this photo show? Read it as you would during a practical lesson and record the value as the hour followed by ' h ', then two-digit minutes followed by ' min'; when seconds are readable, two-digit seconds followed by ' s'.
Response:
3 h 43 min
